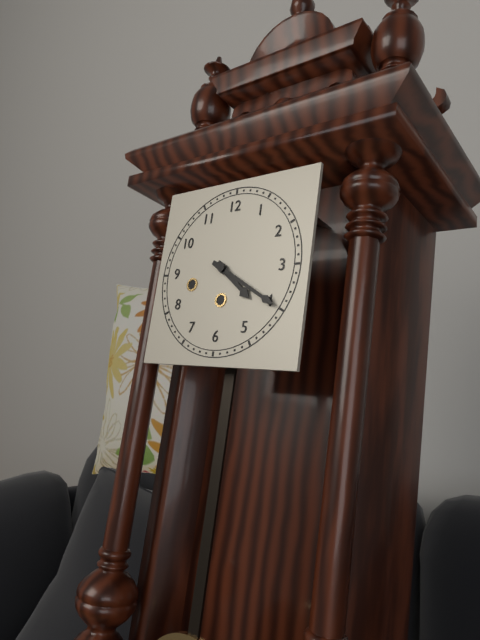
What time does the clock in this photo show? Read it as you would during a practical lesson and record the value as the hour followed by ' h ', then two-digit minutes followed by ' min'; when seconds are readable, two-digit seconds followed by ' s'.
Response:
4 h 20 min
